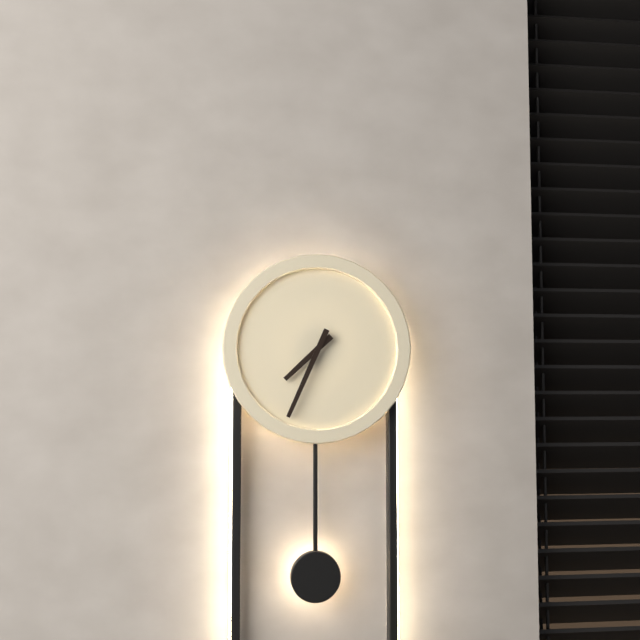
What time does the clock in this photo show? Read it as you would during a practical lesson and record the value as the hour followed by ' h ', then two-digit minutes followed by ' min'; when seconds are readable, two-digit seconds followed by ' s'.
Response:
7 h 34 min
